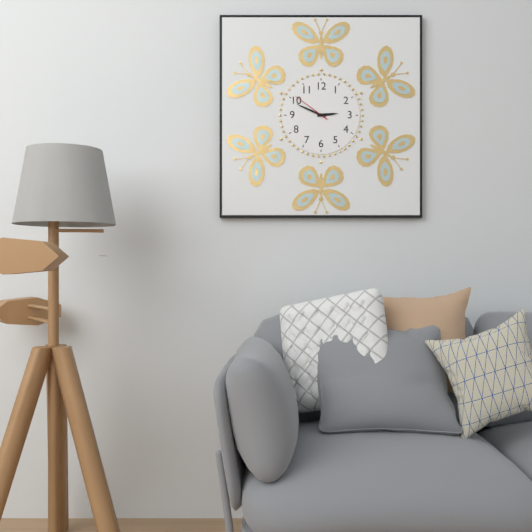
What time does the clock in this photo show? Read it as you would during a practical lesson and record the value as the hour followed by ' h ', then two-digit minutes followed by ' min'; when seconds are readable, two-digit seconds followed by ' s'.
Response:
2 h 49 min
